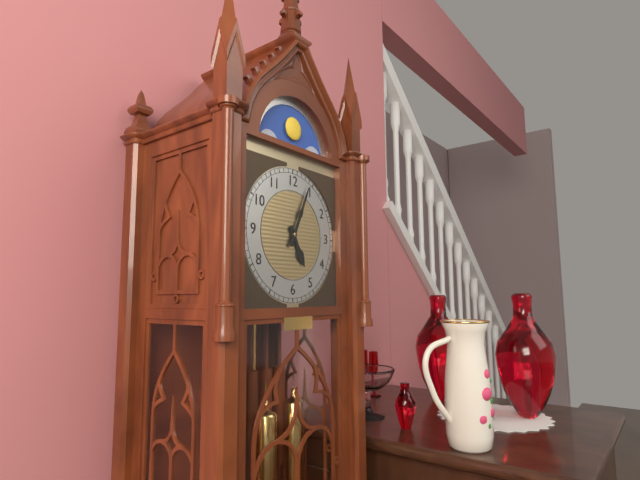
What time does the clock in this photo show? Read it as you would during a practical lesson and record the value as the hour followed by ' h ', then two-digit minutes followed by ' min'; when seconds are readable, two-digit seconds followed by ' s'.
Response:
5 h 04 min
